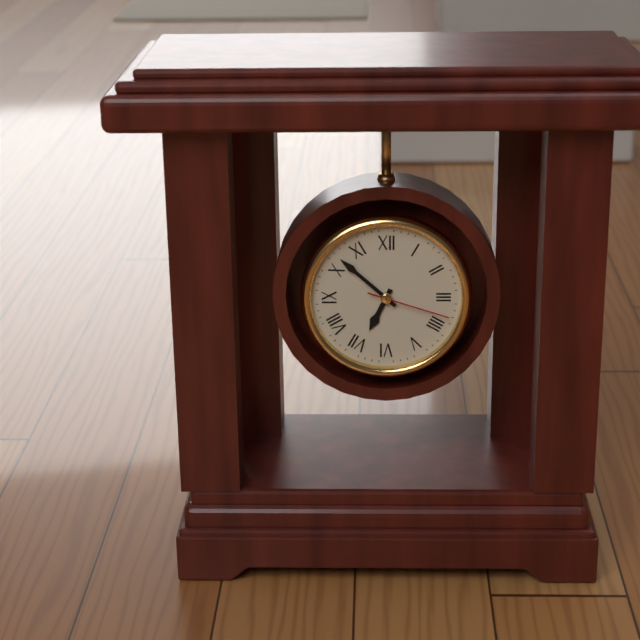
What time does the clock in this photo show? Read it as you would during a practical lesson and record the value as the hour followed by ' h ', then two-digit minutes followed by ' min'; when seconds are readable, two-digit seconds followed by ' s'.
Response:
6 h 52 min 18 s
